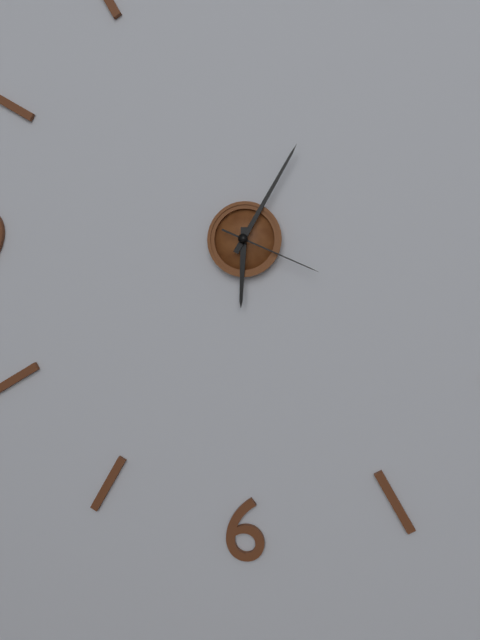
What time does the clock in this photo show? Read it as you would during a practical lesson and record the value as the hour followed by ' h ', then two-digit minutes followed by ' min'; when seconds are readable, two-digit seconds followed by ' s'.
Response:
6 h 05 min 19 s
